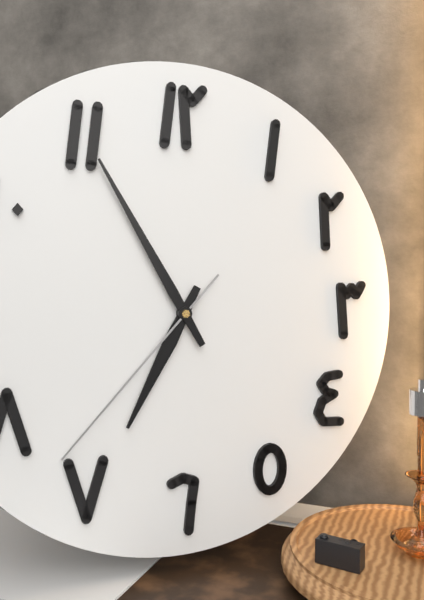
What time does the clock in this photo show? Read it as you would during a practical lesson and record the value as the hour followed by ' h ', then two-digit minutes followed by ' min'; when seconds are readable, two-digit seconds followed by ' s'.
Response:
6 h 55 min 37 s
